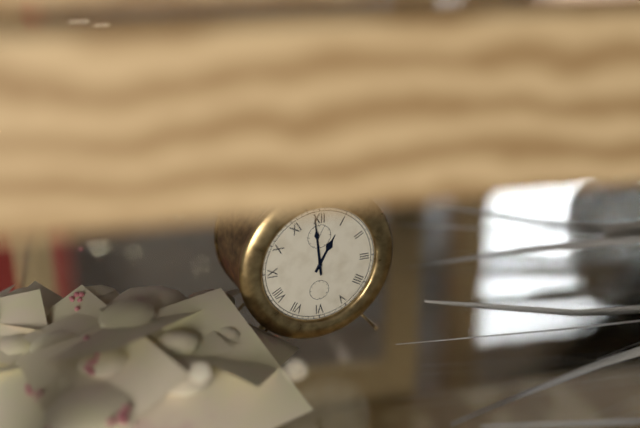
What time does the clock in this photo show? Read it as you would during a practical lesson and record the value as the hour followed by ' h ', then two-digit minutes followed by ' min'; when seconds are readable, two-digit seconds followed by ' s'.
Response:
12 h 59 min
